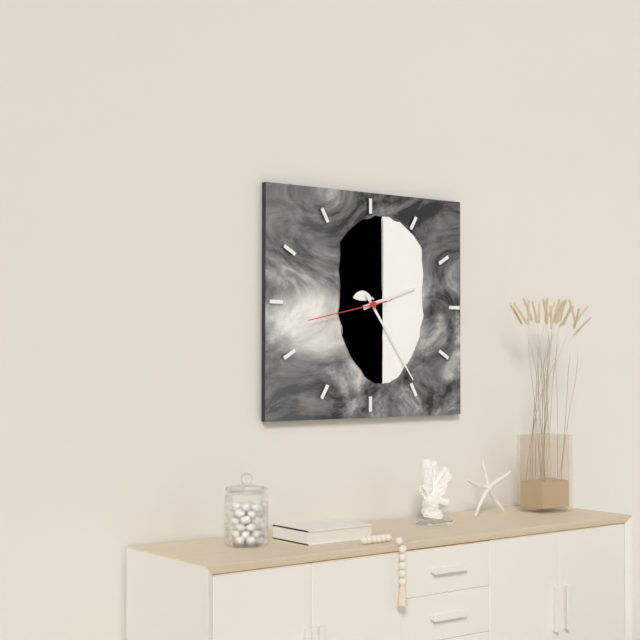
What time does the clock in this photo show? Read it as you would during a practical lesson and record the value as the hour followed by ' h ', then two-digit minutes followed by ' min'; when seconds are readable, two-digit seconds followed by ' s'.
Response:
2 h 24 min 43 s
